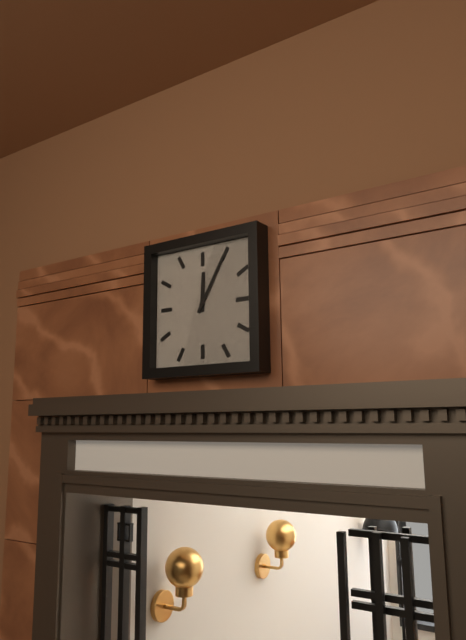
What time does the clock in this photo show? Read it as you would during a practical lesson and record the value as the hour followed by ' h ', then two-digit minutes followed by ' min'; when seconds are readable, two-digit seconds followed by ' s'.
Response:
12 h 05 min
